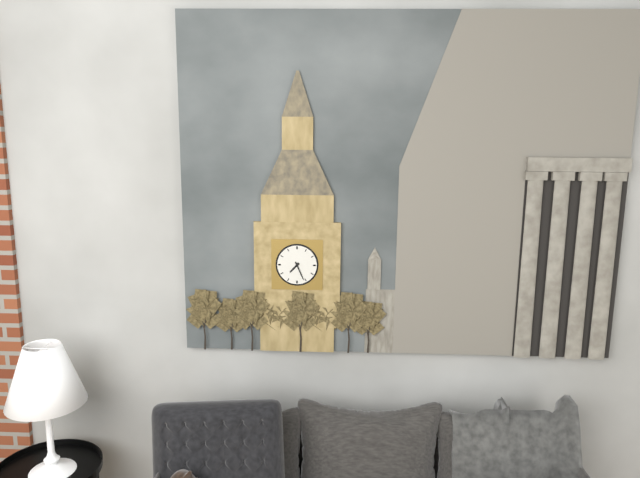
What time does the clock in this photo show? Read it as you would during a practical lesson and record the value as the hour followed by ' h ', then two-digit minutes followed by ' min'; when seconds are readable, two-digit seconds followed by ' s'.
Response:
7 h 26 min
